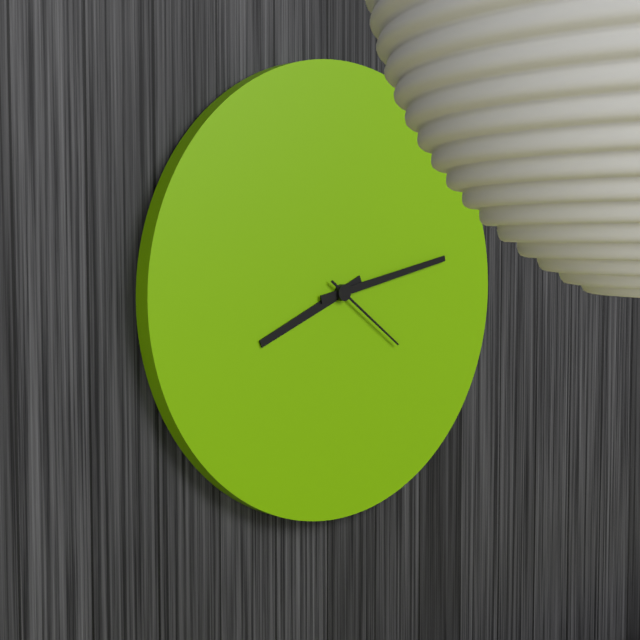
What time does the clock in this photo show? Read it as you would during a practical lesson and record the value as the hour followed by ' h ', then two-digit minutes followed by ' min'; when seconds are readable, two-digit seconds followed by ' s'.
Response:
8 h 13 min 21 s
